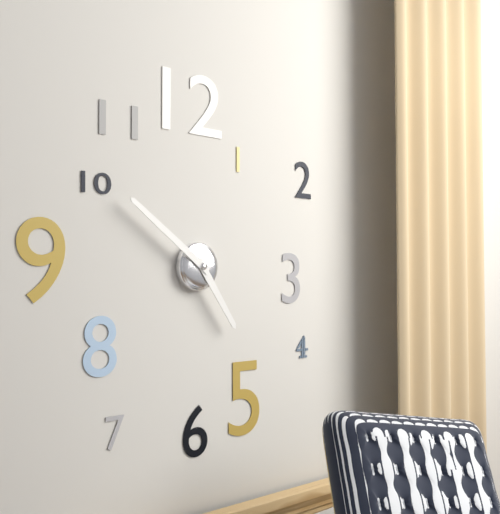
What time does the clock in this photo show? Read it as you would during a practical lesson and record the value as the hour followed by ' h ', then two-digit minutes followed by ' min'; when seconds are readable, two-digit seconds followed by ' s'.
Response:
4 h 51 min
